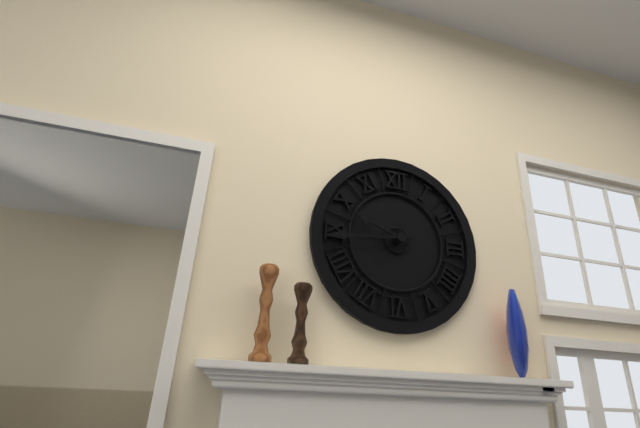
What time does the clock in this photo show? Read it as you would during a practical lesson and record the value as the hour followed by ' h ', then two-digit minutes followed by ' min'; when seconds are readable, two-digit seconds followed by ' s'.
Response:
9 h 44 min
